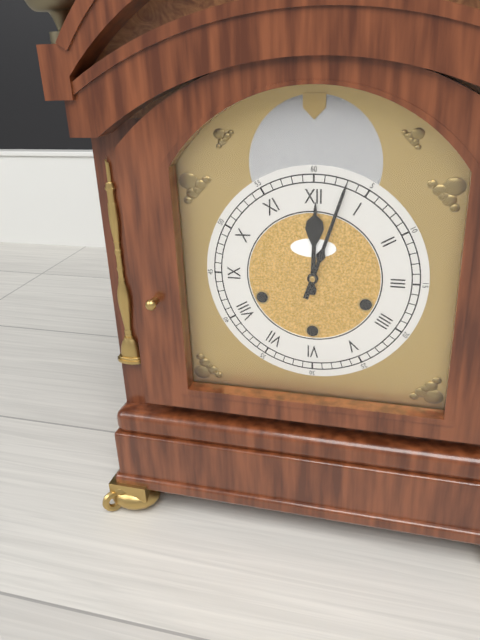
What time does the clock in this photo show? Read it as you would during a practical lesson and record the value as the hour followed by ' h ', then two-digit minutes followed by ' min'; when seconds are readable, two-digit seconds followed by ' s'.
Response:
12 h 03 min
